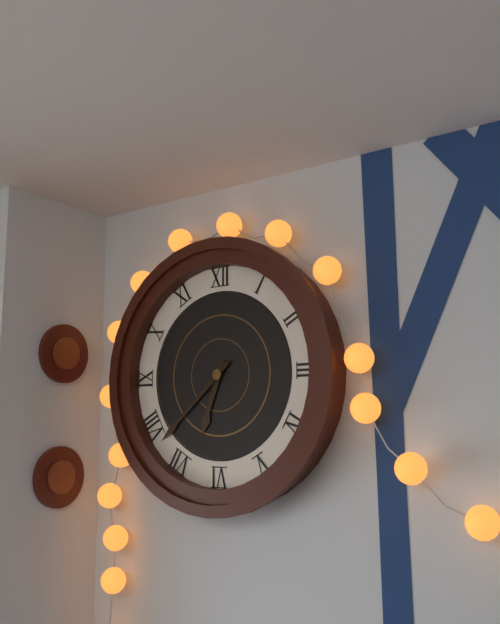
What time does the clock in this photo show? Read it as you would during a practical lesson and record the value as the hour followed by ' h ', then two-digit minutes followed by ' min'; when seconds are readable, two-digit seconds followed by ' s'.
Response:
6 h 38 min
